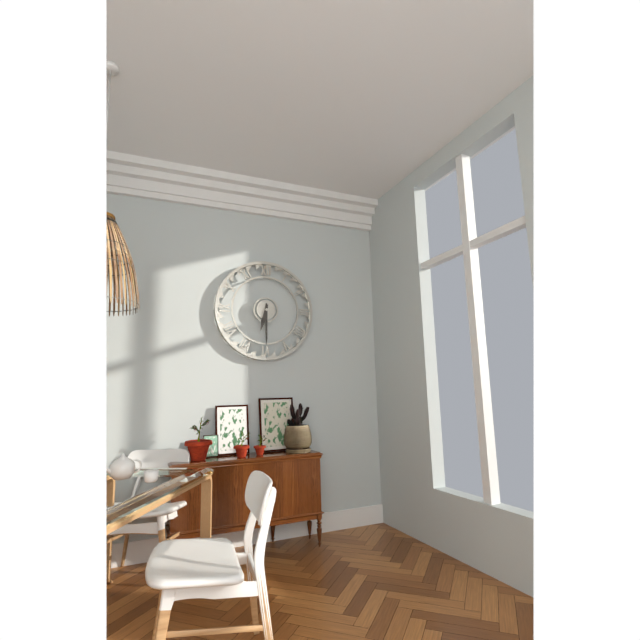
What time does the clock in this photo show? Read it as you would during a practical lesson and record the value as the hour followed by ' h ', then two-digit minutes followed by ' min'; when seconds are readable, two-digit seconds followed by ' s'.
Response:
6 h 30 min
